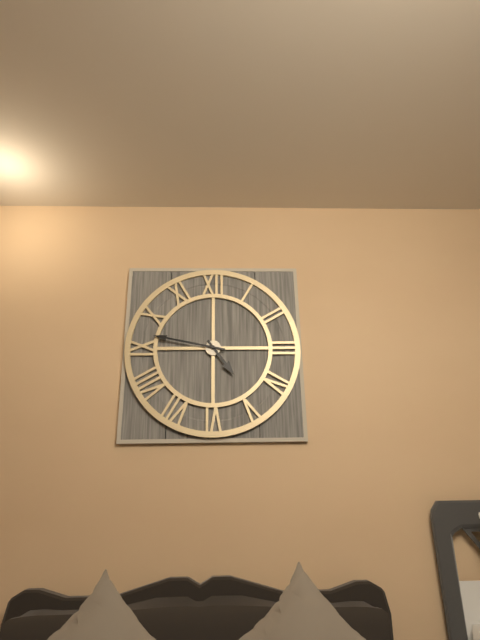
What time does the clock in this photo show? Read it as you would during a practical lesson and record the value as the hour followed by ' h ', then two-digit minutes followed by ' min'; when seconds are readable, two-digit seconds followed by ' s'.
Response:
4 h 47 min
